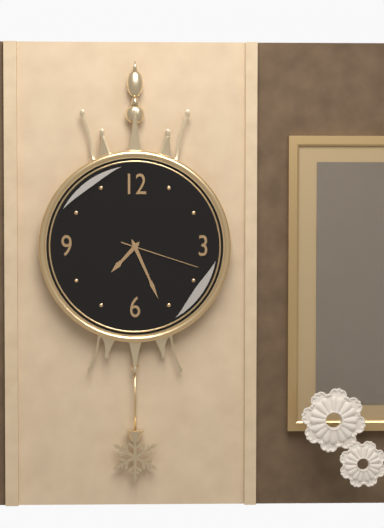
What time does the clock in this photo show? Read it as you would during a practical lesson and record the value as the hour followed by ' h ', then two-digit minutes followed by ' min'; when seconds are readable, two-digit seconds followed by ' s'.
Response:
7 h 26 min 18 s
